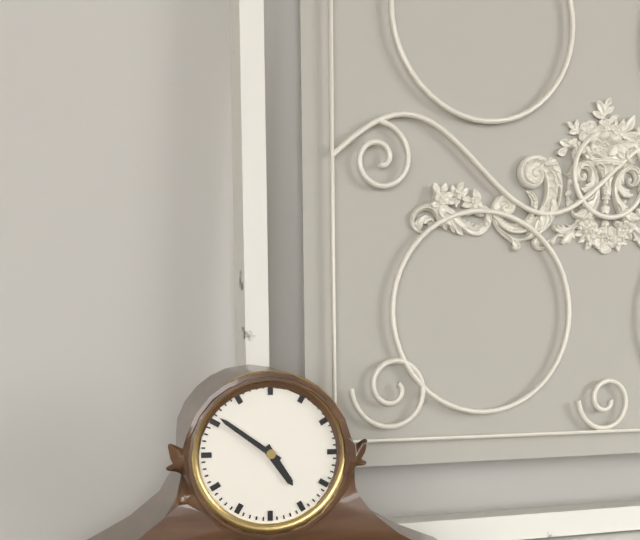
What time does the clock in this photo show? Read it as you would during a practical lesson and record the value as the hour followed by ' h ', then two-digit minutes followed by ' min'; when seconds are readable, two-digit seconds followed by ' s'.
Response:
4 h 51 min
